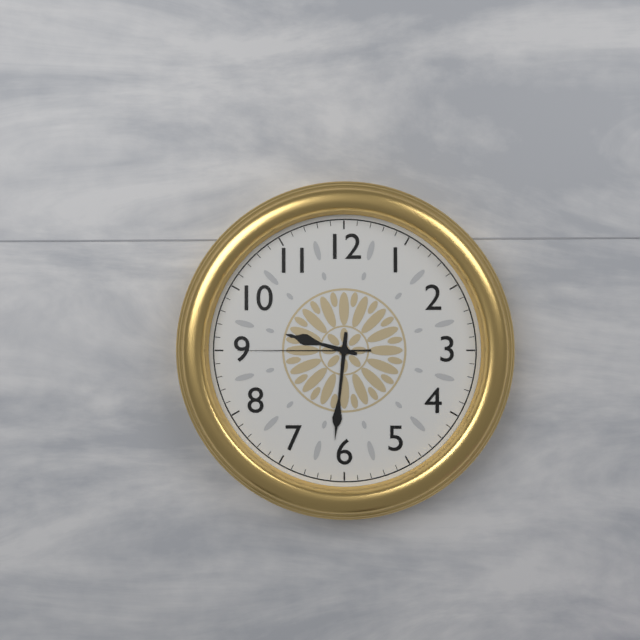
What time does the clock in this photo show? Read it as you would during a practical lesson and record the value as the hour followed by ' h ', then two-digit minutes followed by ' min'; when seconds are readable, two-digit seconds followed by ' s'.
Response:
9 h 31 min 45 s
